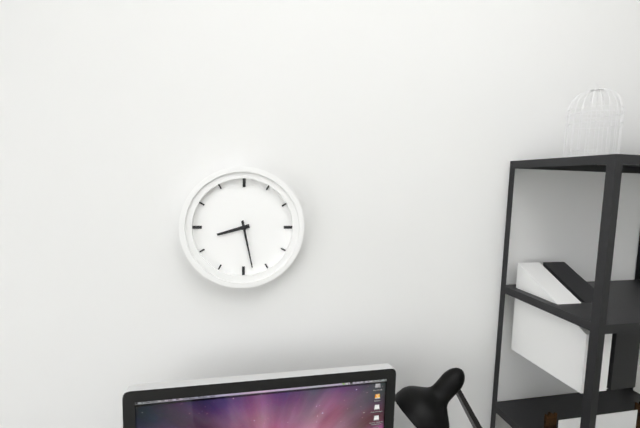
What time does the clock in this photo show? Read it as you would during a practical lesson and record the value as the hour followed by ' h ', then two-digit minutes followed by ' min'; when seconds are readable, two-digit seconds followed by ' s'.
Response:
8 h 28 min
